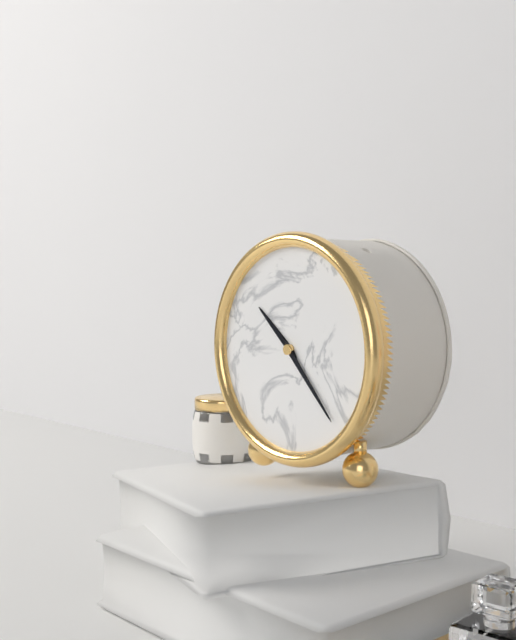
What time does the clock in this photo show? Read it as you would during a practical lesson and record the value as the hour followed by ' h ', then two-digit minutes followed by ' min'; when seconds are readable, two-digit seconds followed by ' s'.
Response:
10 h 23 min
